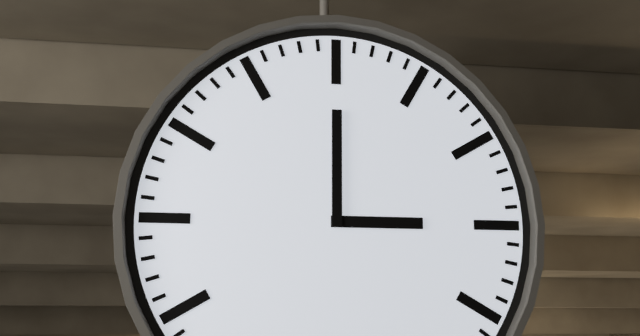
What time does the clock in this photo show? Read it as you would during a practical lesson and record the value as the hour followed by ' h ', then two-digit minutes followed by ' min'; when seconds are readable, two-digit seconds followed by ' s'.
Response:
3 h 00 min
